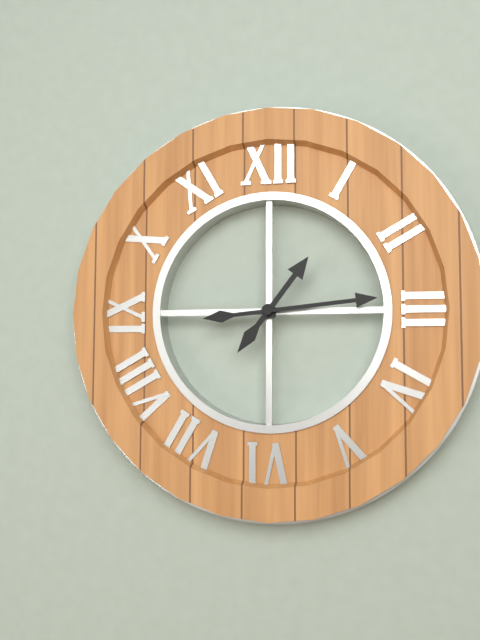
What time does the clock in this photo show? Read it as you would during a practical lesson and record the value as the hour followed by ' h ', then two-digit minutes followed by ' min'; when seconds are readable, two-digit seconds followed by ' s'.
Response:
1 h 14 min
